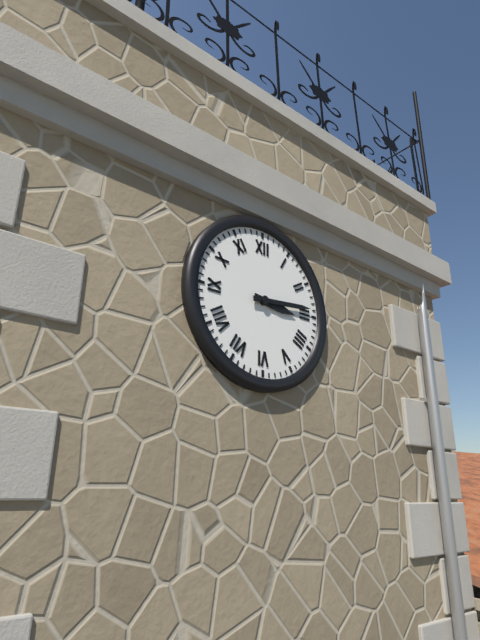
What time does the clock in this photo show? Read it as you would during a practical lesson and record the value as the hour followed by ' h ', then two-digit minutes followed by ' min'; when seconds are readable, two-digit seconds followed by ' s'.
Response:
3 h 14 min
